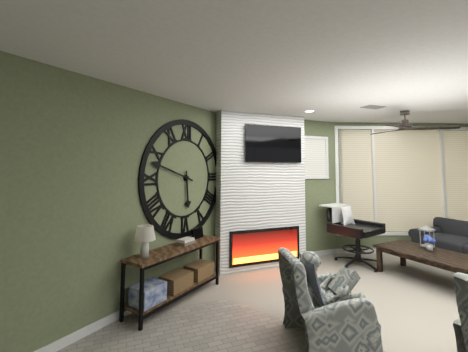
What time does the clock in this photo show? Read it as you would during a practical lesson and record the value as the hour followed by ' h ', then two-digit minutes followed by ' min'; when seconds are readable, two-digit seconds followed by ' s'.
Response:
5 h 48 min
